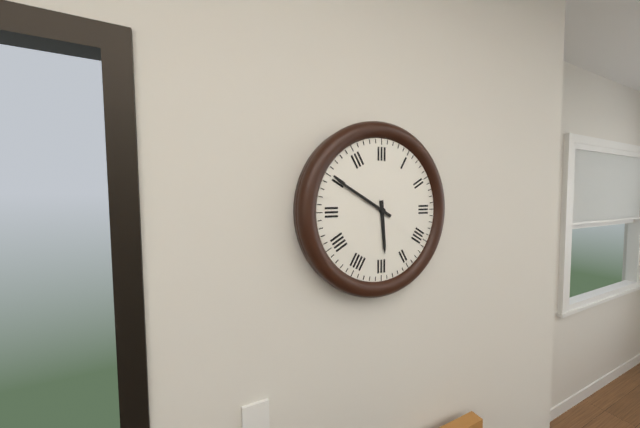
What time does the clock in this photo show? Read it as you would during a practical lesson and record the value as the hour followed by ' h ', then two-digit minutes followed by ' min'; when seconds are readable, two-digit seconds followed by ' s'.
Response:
5 h 50 min
